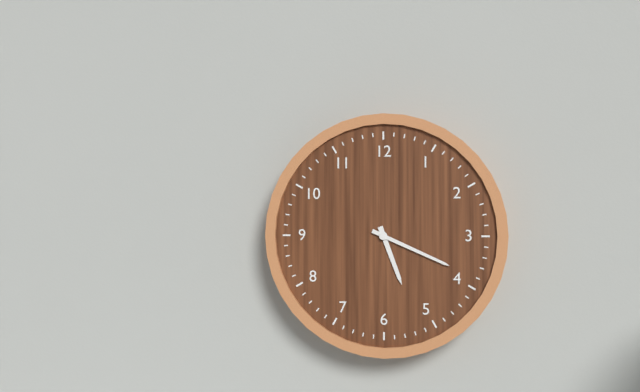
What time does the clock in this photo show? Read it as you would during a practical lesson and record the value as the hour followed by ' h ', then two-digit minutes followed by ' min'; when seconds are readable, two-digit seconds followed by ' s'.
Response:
5 h 19 min
